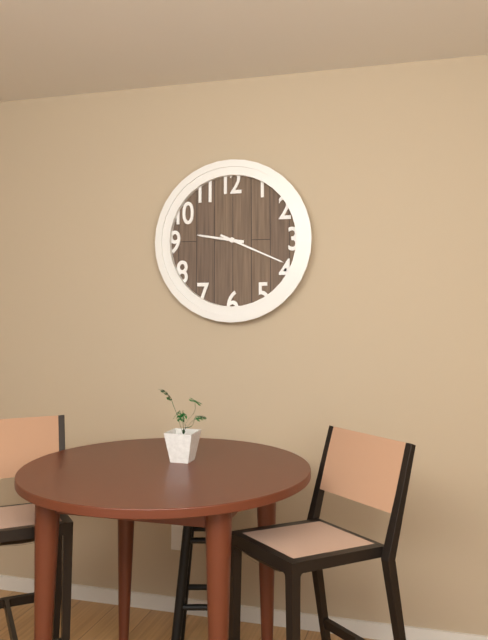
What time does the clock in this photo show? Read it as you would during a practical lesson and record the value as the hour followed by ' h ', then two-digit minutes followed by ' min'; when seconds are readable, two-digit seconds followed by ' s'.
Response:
9 h 19 min
